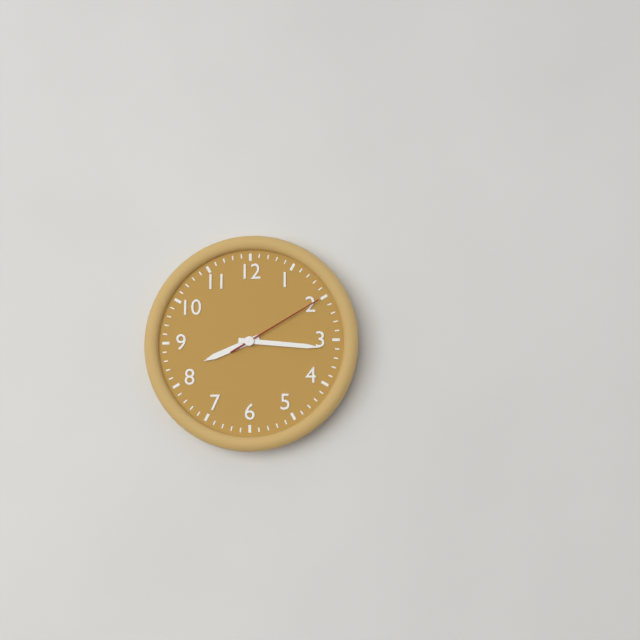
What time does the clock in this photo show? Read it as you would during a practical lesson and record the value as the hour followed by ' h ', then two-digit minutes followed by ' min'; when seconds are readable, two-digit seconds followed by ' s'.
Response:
8 h 16 min 10 s
